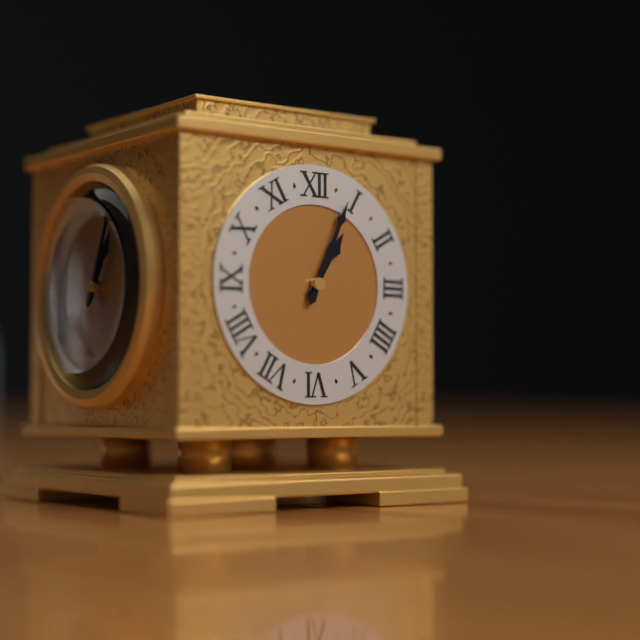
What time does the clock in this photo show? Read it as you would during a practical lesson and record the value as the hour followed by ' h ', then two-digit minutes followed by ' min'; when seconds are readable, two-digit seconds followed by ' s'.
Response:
1 h 04 min
